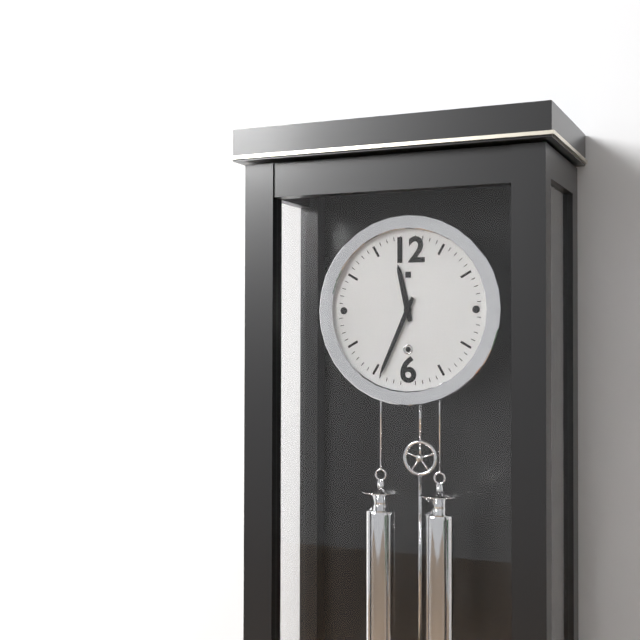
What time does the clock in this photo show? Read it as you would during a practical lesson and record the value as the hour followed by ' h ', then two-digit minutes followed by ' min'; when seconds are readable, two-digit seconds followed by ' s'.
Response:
11 h 34 min
